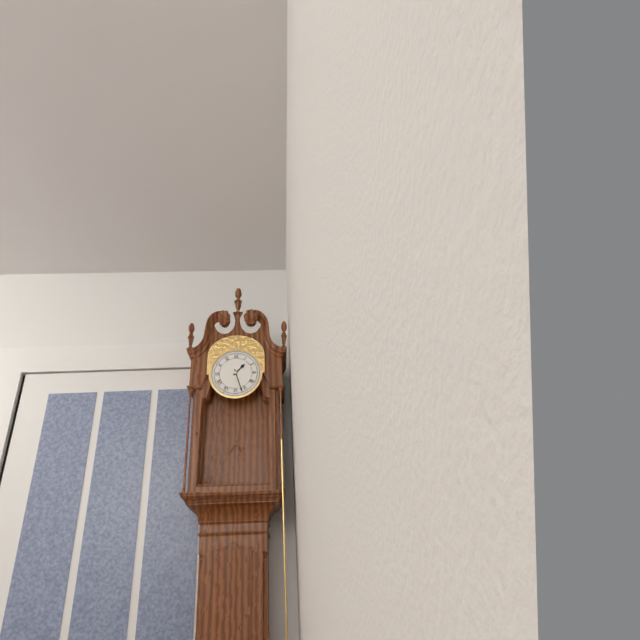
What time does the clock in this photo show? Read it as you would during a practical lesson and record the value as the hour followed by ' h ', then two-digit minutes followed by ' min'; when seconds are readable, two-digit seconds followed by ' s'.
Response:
1 h 27 min
